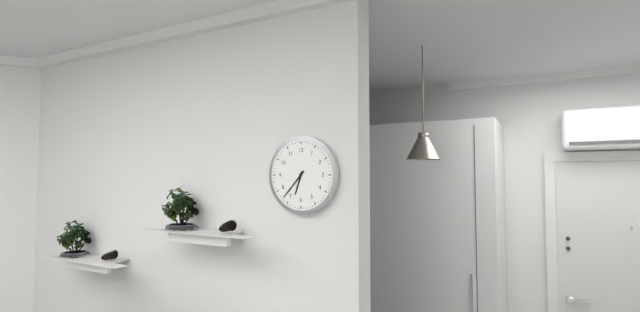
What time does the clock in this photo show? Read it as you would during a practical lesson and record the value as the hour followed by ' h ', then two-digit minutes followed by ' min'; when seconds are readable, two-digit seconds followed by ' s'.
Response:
6 h 37 min
